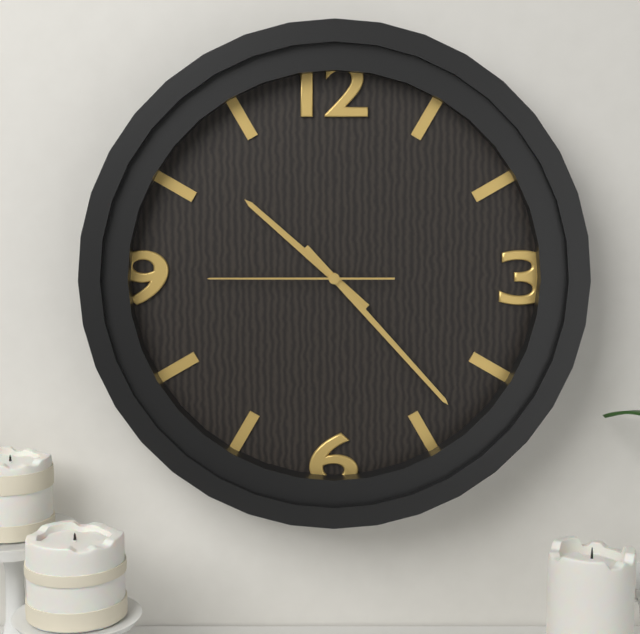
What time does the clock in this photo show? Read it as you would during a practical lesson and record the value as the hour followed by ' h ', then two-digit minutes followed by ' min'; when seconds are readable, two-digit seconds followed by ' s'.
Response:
10 h 23 min 45 s
